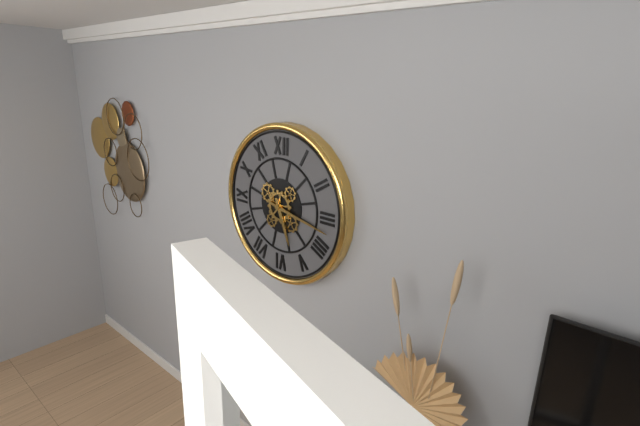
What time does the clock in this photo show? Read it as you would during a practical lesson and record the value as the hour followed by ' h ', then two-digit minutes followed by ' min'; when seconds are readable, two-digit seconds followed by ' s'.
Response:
5 h 17 min
